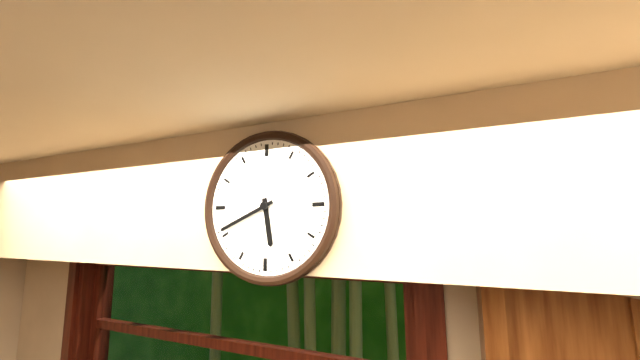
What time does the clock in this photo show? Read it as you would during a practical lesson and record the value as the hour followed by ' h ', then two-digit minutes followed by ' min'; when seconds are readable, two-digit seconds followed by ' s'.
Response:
5 h 41 min
